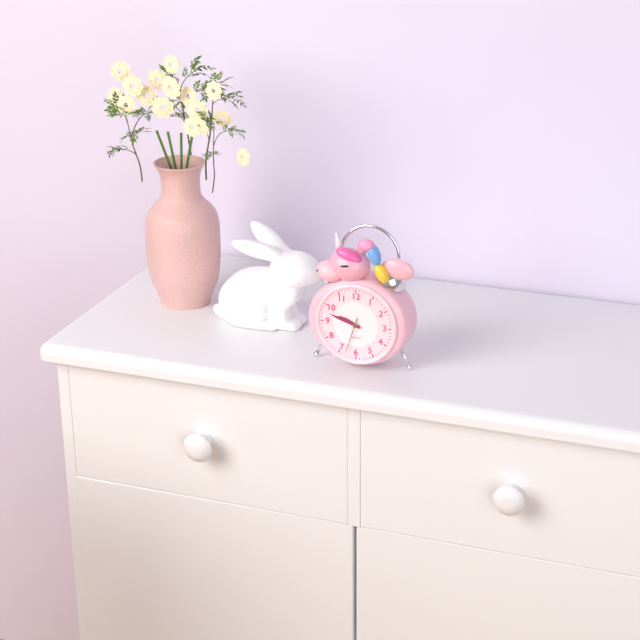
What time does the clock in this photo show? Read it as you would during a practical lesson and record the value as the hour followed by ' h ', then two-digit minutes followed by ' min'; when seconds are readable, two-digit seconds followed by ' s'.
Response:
9 h 48 min
